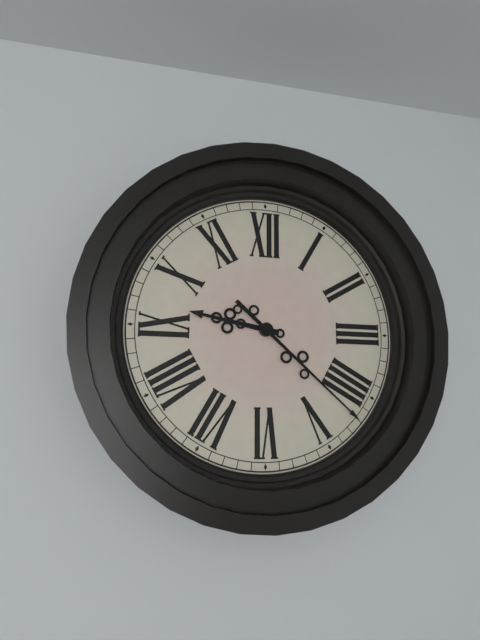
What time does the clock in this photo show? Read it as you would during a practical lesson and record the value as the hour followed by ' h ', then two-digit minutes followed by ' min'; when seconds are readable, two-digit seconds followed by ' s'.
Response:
9 h 22 min
